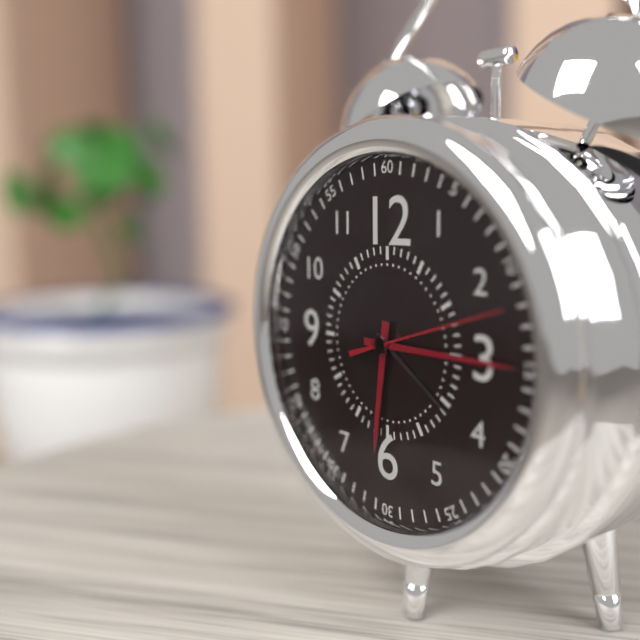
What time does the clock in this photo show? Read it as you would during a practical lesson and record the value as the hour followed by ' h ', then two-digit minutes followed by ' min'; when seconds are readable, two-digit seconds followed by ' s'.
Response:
6 h 15 min 12 s
